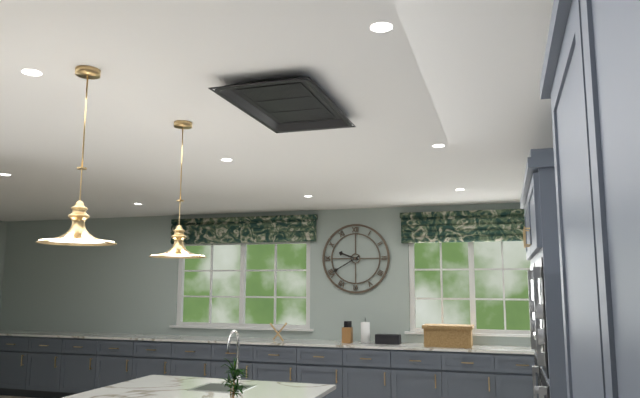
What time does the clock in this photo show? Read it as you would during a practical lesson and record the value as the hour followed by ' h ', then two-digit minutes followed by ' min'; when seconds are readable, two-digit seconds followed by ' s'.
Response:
9 h 40 min
